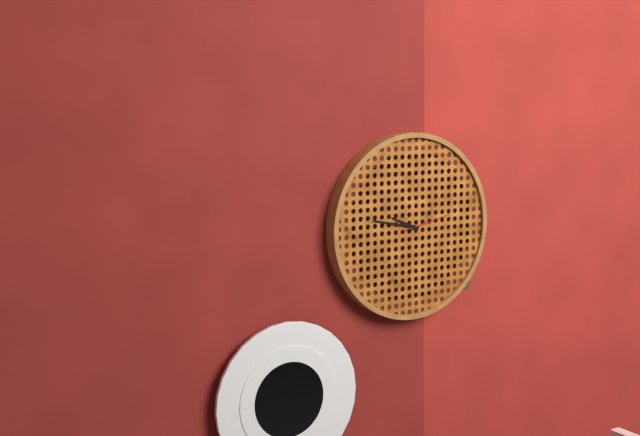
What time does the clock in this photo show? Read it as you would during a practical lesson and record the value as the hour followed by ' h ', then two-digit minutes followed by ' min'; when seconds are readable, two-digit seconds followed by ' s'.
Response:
9 h 47 min 13 s
